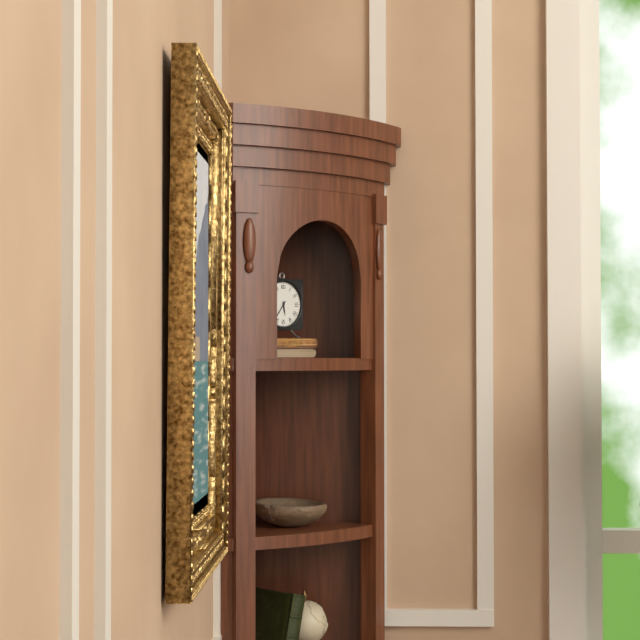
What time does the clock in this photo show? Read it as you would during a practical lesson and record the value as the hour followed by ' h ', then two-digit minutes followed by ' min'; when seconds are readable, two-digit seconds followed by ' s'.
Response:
5 h 36 min
